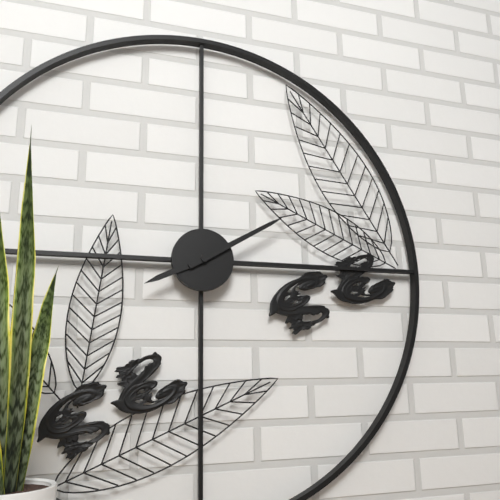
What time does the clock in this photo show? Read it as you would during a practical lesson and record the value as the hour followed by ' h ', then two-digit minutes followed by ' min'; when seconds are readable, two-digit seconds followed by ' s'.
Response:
8 h 10 min
